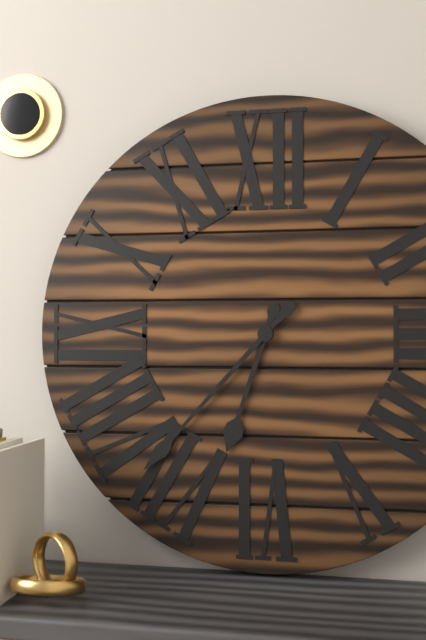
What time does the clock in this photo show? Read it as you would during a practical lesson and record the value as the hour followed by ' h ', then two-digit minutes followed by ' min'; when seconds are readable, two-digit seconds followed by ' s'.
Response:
6 h 37 min
